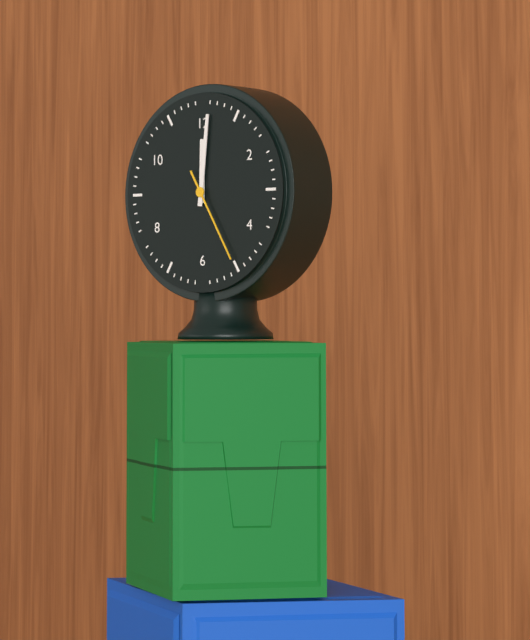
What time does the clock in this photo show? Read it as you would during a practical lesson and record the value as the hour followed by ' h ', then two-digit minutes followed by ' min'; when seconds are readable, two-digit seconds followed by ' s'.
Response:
12 h 01 min 25 s
